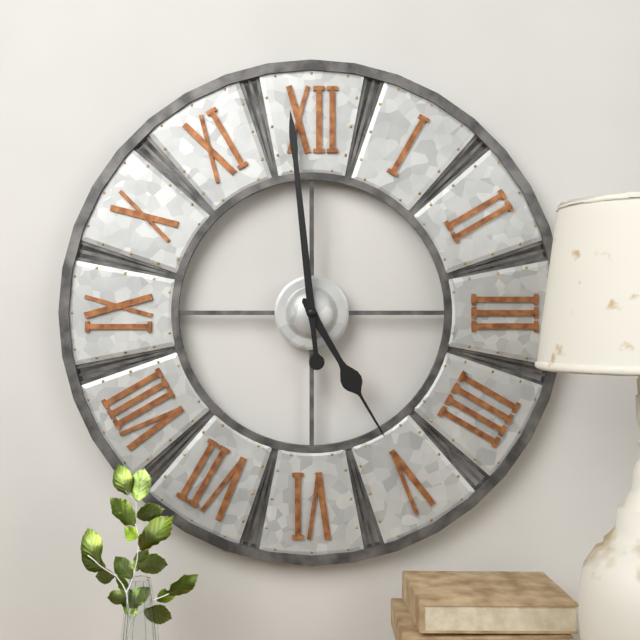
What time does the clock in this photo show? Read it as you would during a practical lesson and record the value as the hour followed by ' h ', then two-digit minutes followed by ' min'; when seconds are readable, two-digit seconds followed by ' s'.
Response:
4 h 59 min
